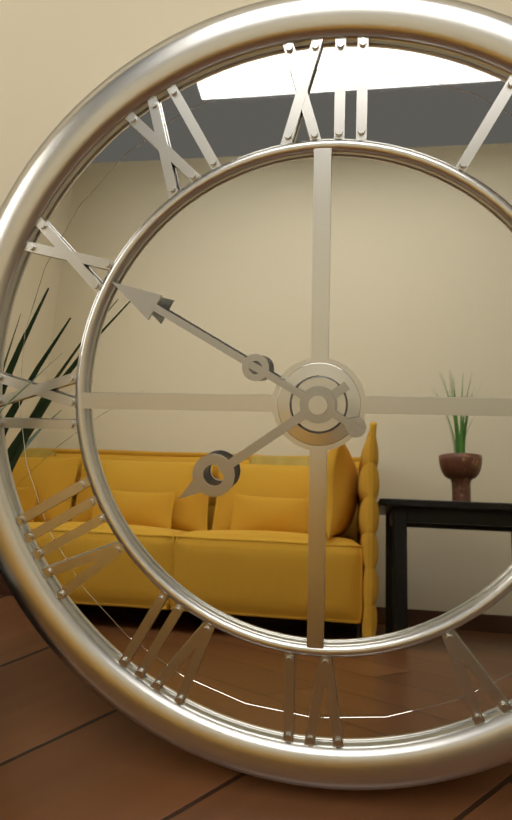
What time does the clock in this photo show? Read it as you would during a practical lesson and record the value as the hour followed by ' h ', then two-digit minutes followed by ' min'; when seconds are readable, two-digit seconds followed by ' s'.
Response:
7 h 50 min
